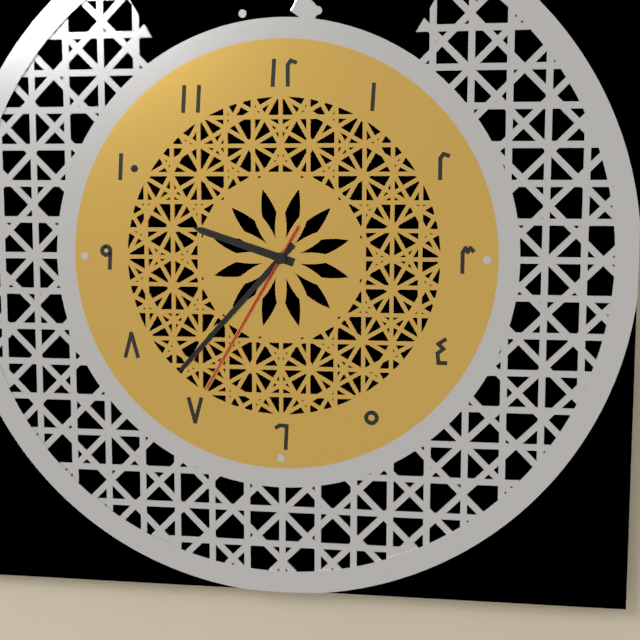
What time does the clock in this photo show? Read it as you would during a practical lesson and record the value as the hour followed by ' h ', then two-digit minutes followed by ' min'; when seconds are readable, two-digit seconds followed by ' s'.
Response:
9 h 37 min 35 s
